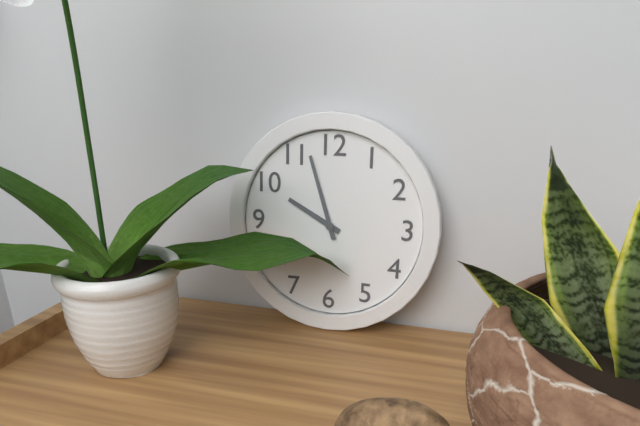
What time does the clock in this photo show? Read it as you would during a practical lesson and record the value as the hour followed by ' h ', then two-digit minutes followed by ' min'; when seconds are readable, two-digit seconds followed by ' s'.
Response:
9 h 57 min
